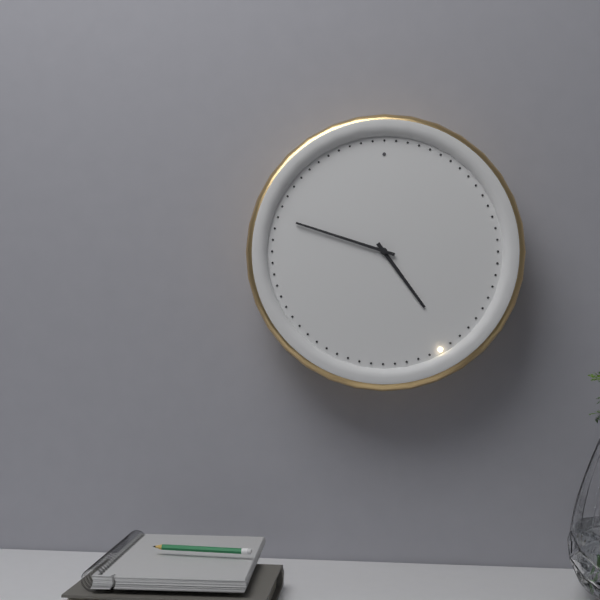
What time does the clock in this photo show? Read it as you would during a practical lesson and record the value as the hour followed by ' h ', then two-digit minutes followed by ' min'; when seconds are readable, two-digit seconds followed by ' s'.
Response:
4 h 48 min
